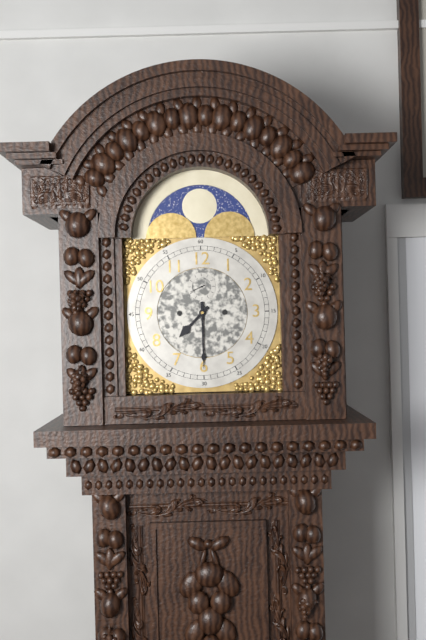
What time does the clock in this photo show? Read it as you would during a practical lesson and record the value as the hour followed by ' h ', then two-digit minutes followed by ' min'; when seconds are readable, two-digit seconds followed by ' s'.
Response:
7 h 30 min
